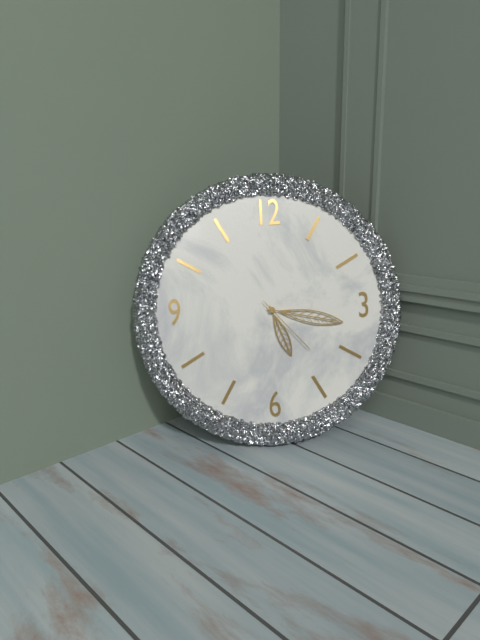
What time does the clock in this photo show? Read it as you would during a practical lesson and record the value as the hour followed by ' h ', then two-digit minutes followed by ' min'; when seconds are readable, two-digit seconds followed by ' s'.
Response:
5 h 17 min 23 s
